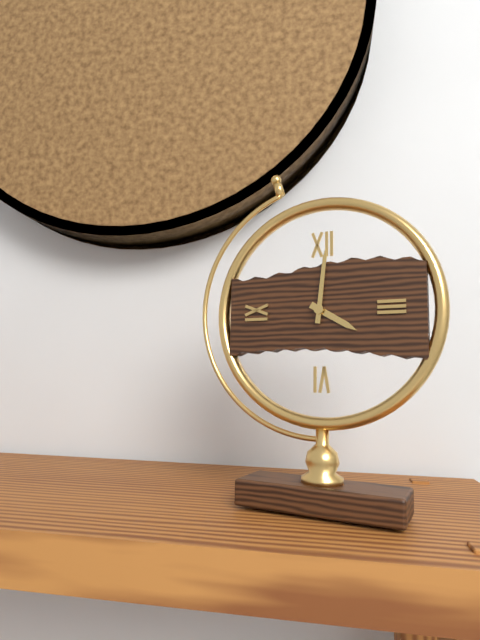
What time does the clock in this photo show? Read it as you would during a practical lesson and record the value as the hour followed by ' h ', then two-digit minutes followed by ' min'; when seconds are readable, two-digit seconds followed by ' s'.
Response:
4 h 01 min
